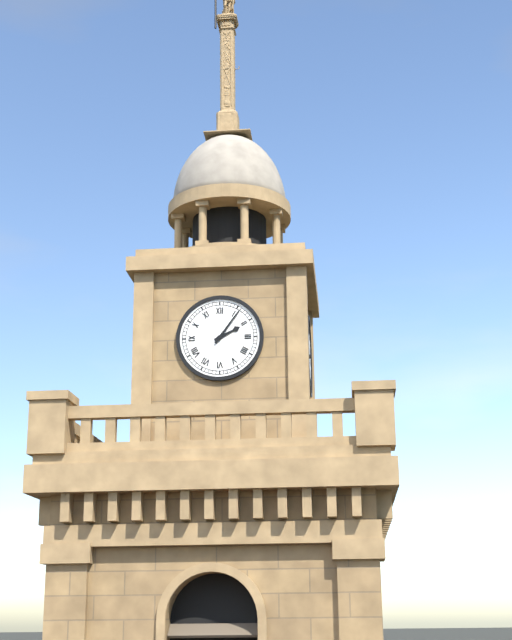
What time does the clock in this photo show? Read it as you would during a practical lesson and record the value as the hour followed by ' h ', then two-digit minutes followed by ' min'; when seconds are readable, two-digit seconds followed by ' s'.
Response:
2 h 06 min
